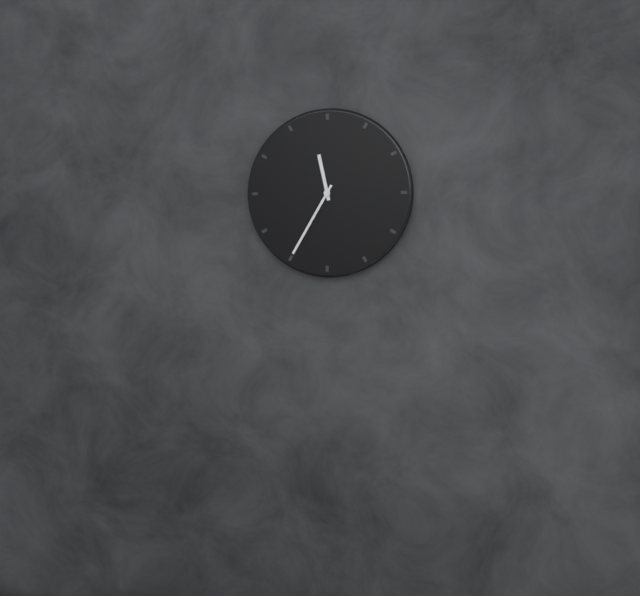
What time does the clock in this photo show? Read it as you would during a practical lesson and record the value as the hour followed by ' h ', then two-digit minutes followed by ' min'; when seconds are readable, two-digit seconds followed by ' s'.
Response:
11 h 35 min
